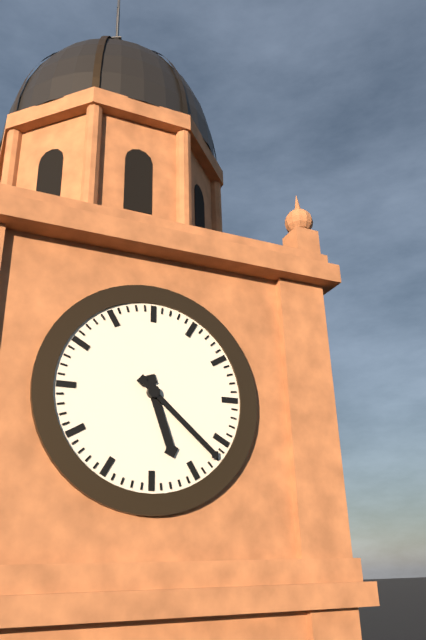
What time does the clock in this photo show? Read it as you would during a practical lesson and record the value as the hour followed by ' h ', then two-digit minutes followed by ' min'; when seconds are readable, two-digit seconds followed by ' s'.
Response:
5 h 22 min
